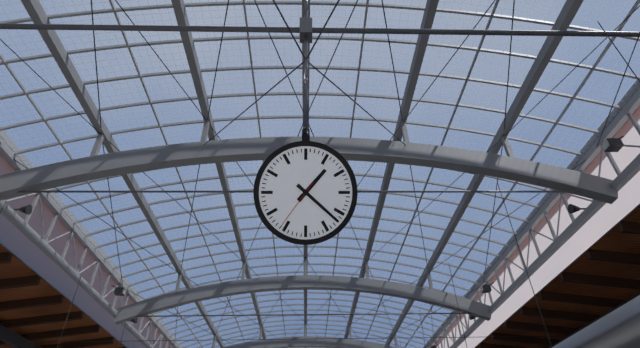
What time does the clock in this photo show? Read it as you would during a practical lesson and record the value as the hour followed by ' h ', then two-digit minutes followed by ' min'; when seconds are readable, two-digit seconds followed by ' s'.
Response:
1 h 22 min 36 s
